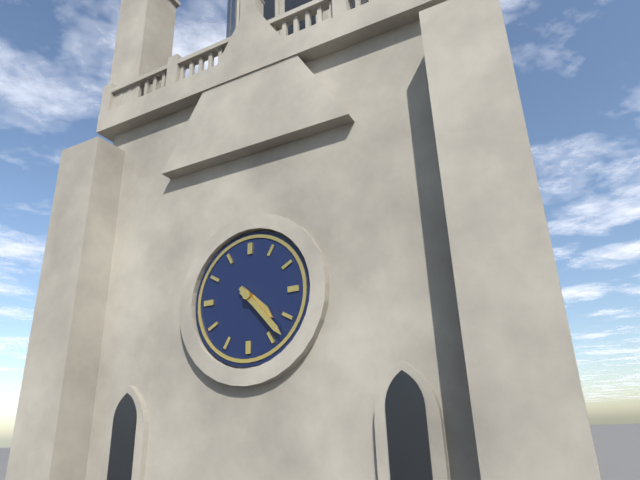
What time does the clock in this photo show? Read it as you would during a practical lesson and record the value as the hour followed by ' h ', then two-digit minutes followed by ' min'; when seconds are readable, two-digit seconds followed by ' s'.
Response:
4 h 23 min
